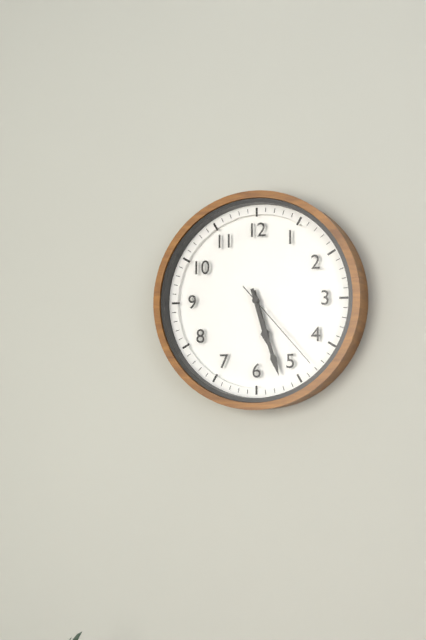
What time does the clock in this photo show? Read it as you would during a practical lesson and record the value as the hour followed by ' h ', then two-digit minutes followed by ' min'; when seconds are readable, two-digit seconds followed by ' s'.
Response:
5 h 27 min 23 s
